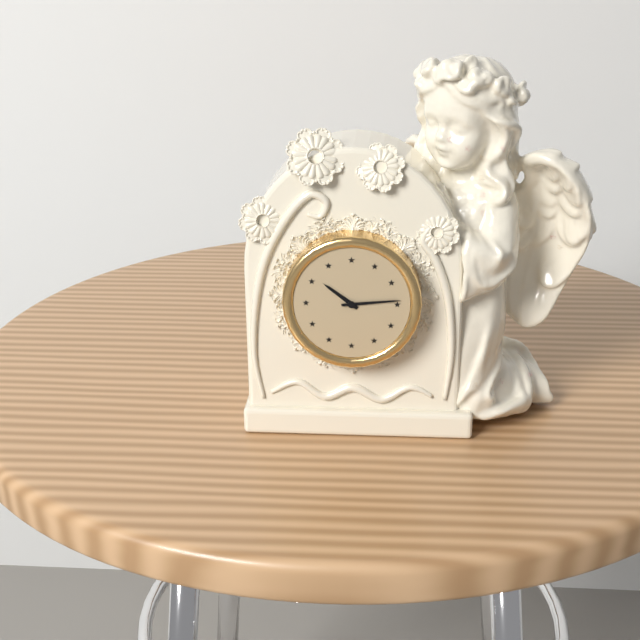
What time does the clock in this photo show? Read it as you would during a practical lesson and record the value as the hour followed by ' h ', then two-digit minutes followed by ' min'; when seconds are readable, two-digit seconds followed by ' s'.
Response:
10 h 14 min
